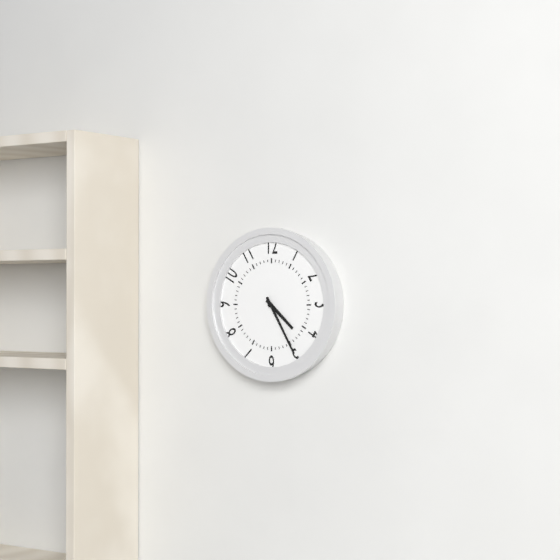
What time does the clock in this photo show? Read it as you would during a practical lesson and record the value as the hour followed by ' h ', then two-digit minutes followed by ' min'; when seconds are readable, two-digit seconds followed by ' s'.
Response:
4 h 25 min
